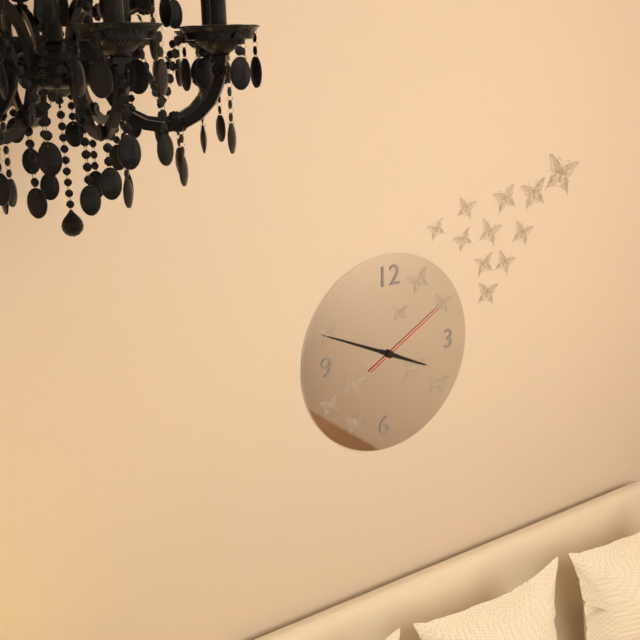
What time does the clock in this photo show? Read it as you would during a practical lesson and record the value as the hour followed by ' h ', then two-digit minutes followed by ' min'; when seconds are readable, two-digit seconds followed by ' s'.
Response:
3 h 49 min 10 s
